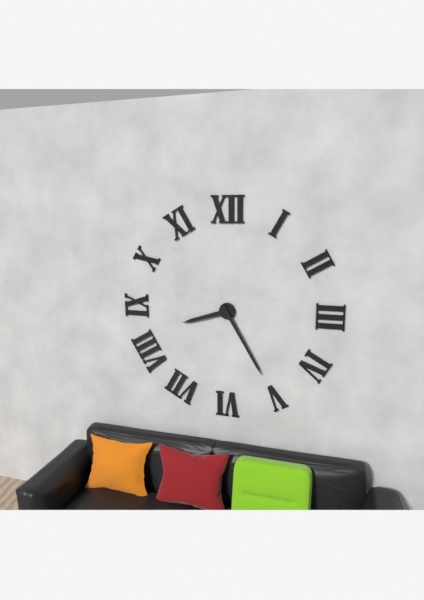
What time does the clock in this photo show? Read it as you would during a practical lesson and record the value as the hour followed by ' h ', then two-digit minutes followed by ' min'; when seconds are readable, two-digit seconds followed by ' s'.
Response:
8 h 25 min
